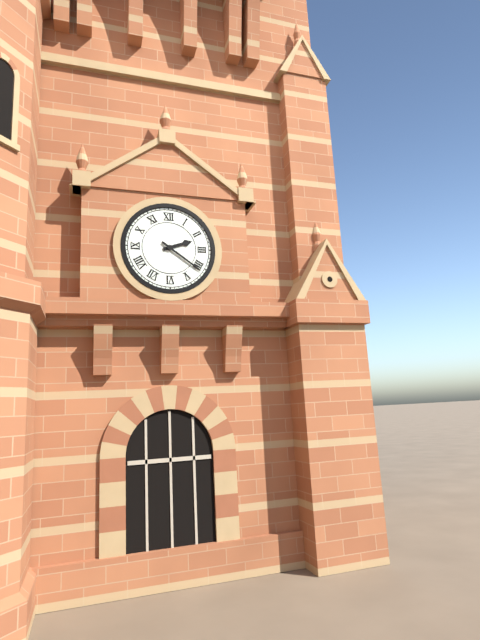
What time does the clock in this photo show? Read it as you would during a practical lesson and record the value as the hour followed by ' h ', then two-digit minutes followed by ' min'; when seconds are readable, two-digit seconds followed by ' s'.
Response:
2 h 21 min
